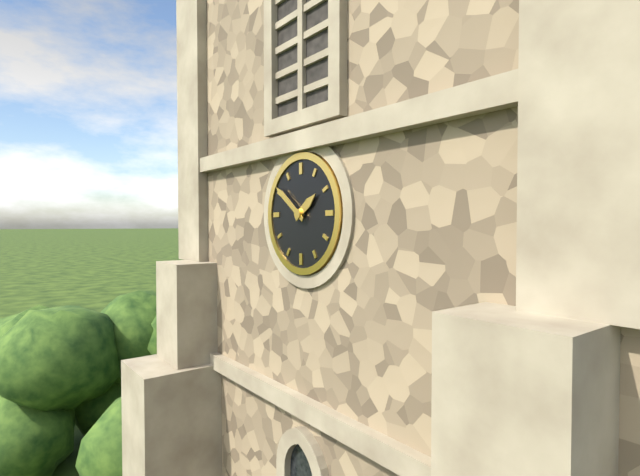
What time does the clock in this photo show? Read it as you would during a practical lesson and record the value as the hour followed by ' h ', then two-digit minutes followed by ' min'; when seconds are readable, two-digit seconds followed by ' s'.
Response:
1 h 51 min
